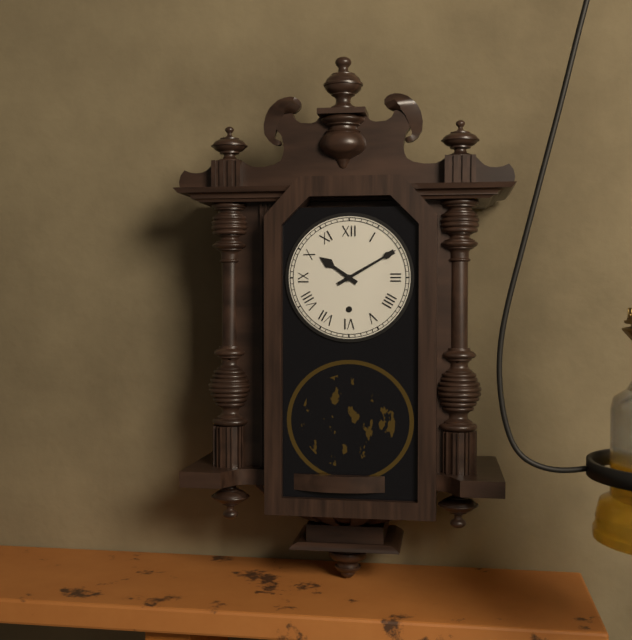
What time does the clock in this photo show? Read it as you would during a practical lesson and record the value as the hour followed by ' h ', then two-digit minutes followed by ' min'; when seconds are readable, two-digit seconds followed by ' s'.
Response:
10 h 10 min
